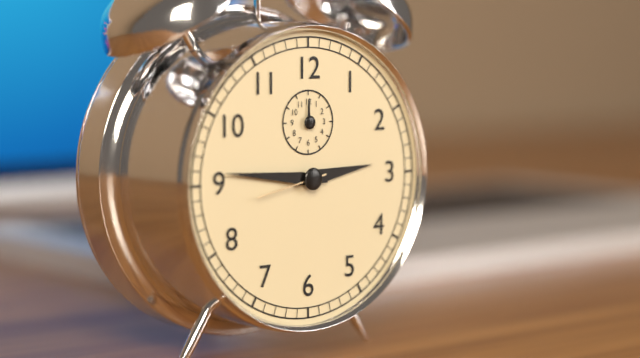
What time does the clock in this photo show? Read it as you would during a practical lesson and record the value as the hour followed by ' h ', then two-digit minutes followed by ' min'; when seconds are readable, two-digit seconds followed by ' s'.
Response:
2 h 46 min 43 s
